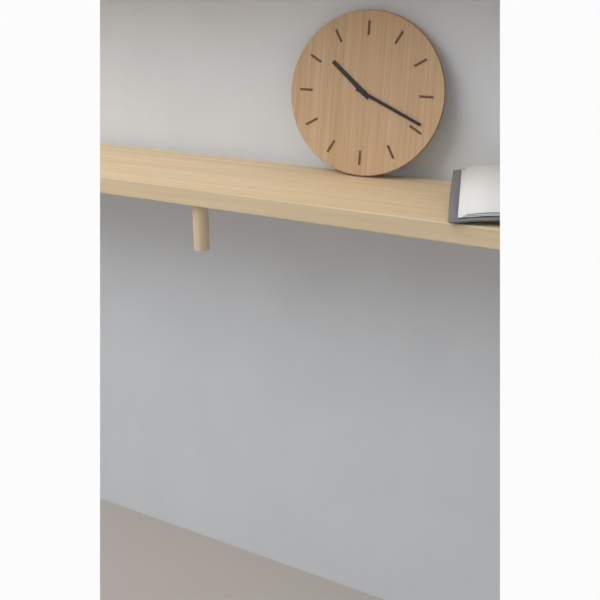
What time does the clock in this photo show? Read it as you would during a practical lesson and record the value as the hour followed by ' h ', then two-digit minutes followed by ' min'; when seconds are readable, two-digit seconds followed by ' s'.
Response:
10 h 19 min
